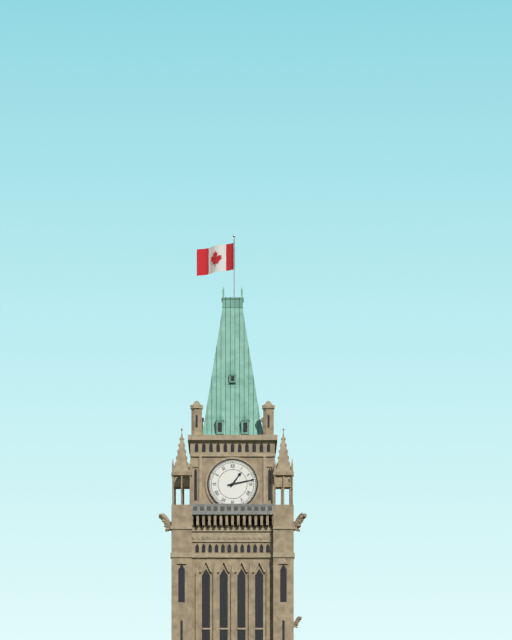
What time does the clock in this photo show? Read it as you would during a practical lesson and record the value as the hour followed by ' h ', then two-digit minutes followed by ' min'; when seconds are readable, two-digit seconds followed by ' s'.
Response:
1 h 13 min
